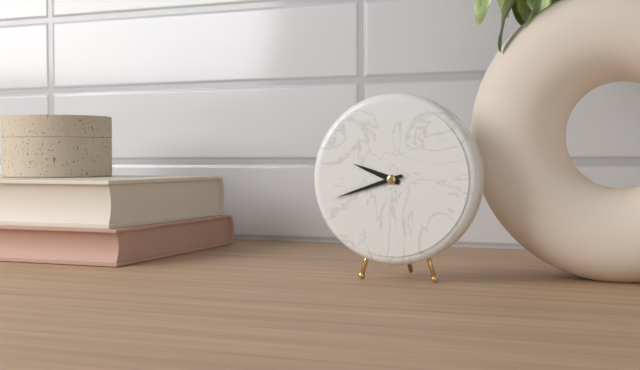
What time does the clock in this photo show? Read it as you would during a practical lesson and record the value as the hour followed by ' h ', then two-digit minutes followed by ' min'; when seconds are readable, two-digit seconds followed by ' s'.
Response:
9 h 42 min
